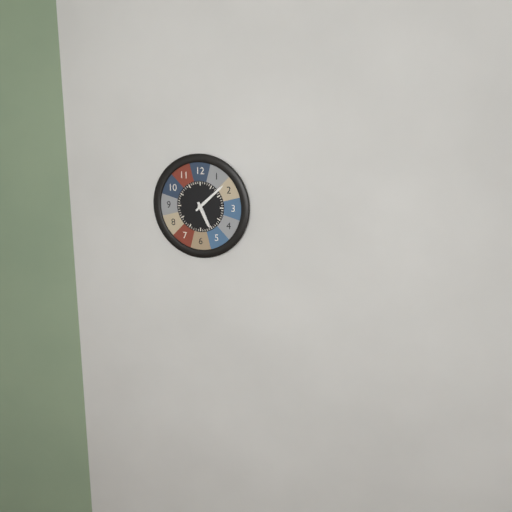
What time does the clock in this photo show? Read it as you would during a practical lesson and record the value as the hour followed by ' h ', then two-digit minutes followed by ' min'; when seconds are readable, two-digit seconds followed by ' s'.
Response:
5 h 08 min
